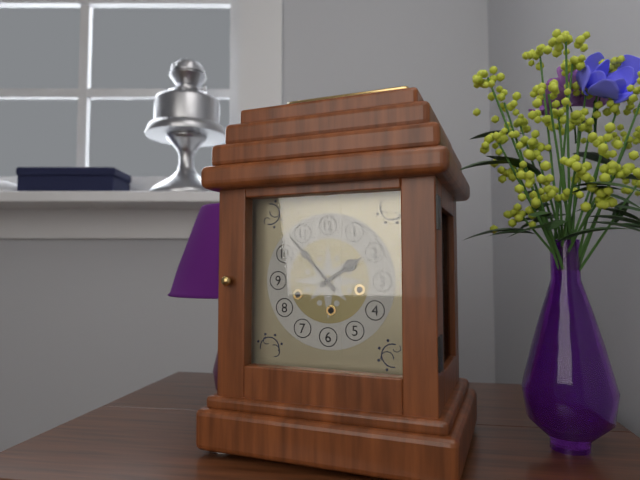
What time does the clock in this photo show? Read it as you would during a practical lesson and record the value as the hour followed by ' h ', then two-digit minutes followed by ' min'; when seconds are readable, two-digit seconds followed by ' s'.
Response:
1 h 53 min
